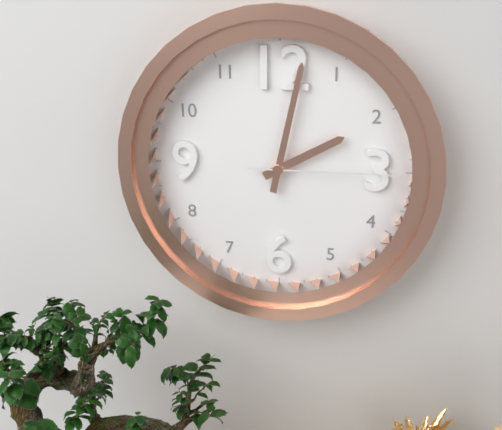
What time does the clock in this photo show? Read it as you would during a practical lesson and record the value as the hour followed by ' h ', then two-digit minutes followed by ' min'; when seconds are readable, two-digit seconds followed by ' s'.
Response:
2 h 02 min 15 s
